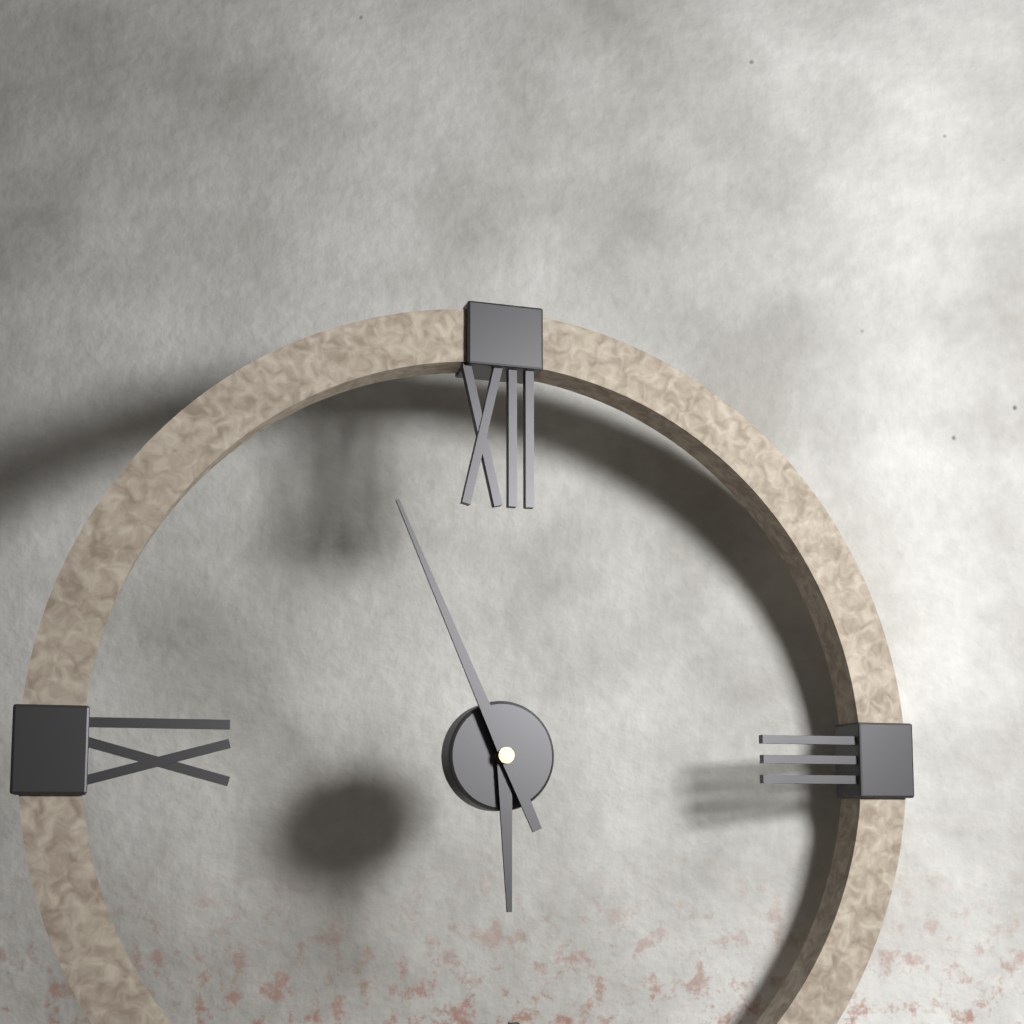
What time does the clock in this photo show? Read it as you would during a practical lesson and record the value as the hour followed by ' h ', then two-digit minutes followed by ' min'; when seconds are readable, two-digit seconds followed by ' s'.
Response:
5 h 56 min
